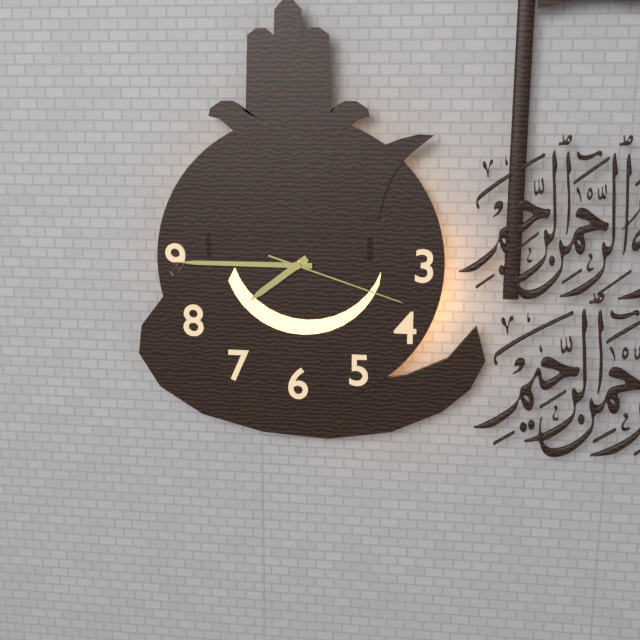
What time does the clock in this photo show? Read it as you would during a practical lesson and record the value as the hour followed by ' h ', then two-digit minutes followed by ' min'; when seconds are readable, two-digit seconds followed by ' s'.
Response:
7 h 45 min 18 s
